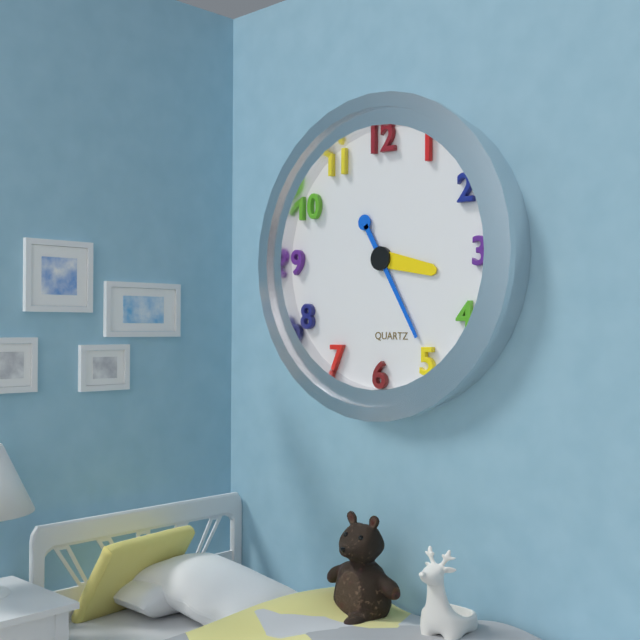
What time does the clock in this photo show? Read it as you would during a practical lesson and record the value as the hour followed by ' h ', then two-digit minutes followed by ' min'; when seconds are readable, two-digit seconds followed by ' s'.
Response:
3 h 25 min
